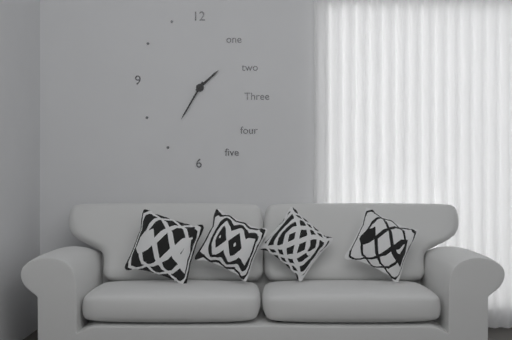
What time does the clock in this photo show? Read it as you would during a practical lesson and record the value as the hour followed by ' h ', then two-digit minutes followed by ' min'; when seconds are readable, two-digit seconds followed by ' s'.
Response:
1 h 35 min
